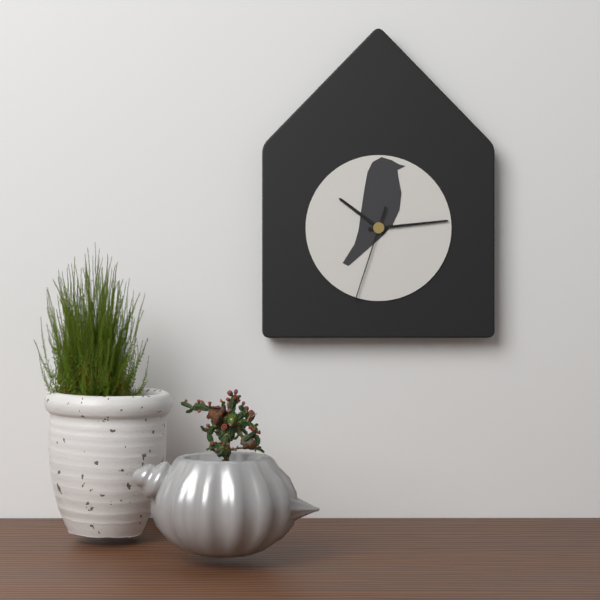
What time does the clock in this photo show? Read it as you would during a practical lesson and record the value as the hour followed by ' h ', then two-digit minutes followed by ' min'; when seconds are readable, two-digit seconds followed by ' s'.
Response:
10 h 14 min 33 s
